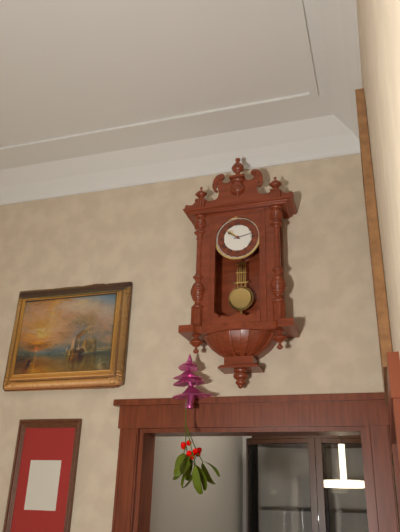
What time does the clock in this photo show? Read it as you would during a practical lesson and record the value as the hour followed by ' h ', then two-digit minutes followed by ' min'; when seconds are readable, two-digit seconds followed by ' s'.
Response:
10 h 13 min
